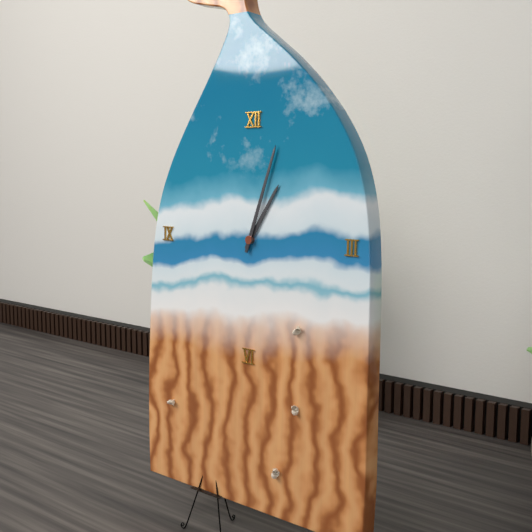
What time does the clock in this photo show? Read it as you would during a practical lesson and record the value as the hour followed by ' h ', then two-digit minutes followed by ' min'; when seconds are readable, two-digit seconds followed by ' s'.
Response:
1 h 03 min
